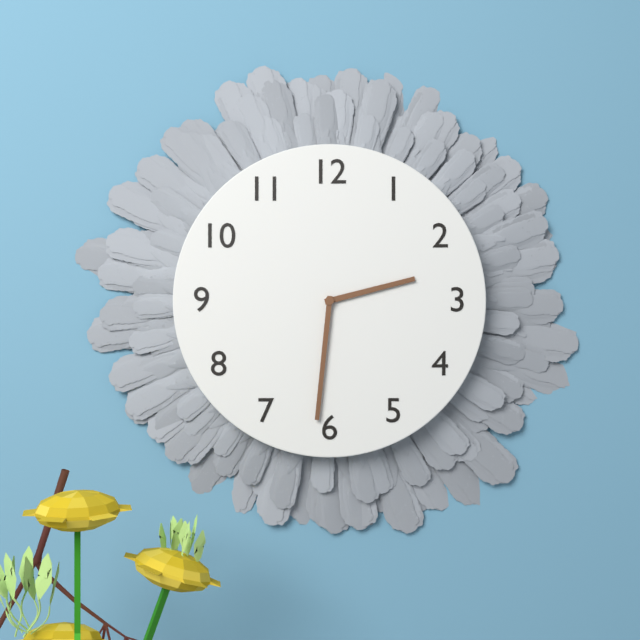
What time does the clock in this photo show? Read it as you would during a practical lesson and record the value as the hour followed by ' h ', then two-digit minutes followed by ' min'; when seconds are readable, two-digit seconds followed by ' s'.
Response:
2 h 31 min
